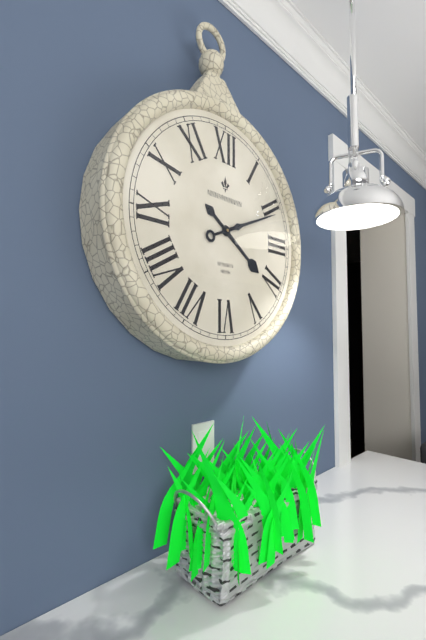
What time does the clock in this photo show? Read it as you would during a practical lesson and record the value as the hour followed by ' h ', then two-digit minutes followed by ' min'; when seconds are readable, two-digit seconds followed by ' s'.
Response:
4 h 11 min
